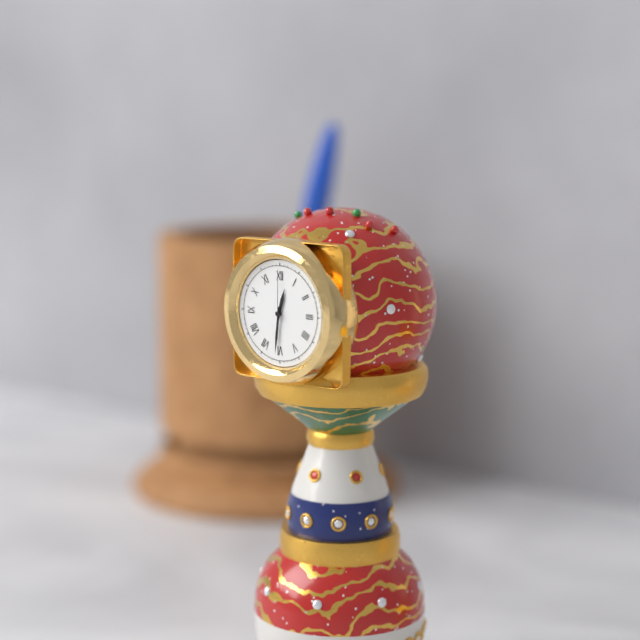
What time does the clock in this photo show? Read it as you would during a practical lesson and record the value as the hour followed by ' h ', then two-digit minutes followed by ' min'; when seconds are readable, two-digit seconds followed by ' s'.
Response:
12 h 31 min 00 s
